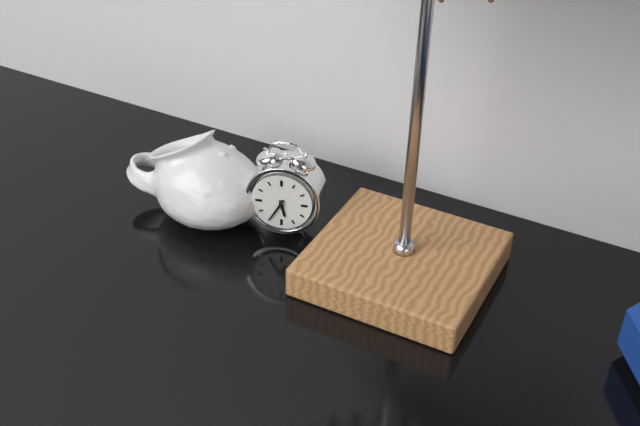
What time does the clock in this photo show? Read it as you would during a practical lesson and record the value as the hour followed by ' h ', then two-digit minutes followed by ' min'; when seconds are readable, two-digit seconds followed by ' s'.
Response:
5 h 35 min
